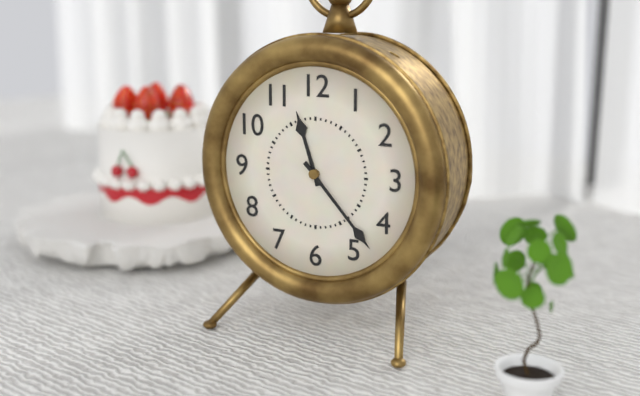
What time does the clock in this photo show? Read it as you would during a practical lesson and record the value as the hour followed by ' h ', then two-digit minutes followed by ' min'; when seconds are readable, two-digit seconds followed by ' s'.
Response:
11 h 23 min
